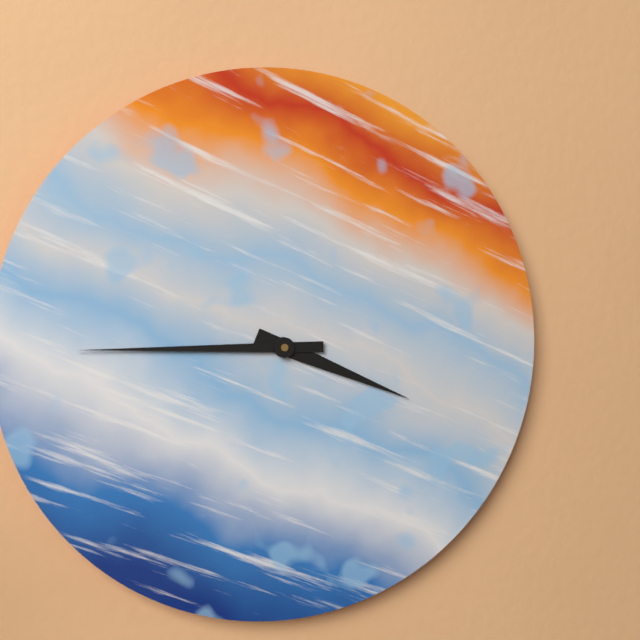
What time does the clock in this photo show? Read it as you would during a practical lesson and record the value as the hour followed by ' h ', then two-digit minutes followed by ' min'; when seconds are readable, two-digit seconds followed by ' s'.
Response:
3 h 45 min
